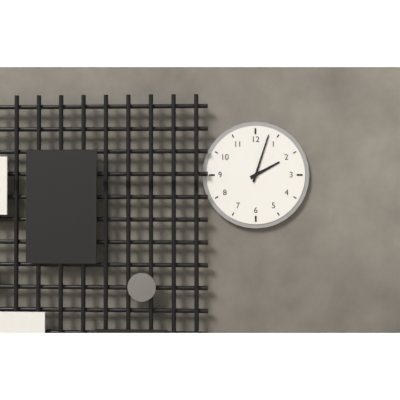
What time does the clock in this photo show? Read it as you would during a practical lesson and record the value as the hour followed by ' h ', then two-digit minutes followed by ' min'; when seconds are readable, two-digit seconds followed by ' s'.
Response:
2 h 03 min
